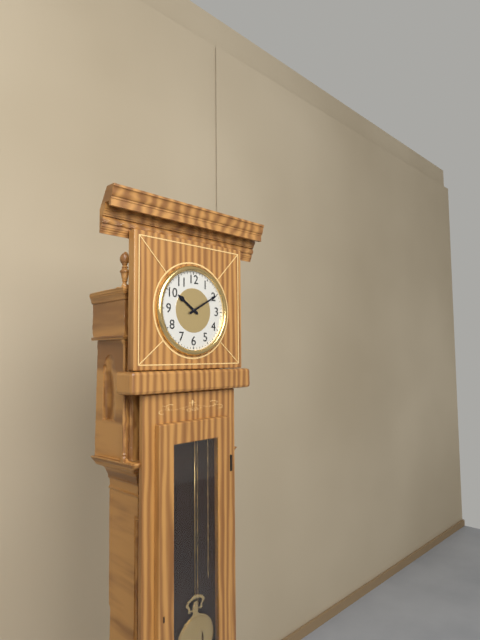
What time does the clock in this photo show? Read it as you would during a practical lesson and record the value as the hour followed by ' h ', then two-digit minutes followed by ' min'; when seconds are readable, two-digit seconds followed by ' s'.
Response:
10 h 10 min
